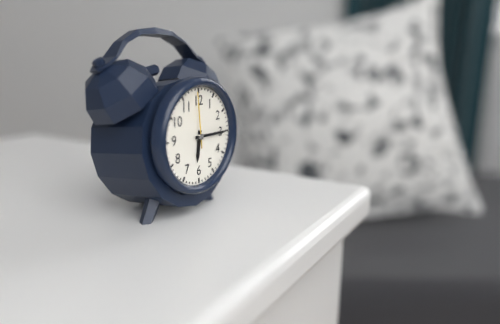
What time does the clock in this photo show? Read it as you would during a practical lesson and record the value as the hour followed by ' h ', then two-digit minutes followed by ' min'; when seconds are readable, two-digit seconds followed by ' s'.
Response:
6 h 15 min 59 s
